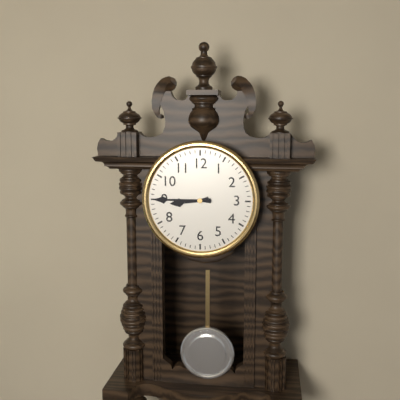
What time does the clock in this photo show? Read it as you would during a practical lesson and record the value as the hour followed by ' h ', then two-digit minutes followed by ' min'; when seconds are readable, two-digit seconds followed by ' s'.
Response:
8 h 45 min
